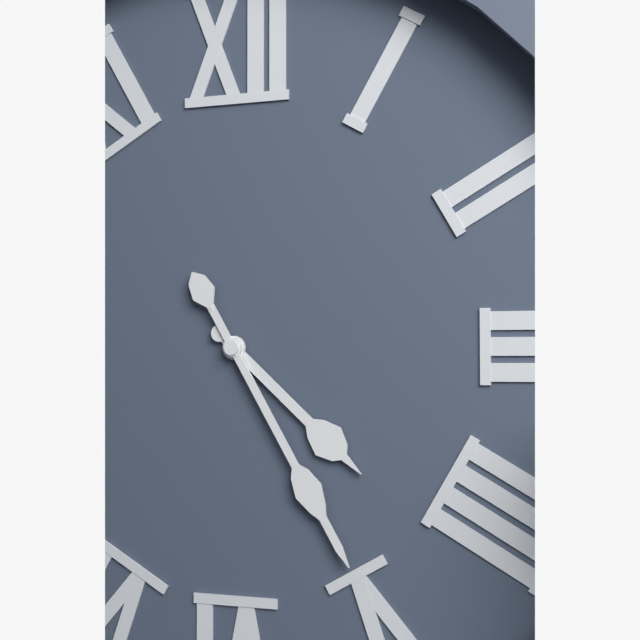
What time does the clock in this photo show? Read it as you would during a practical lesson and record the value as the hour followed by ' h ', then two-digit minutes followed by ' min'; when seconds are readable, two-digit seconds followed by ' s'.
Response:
4 h 25 min
